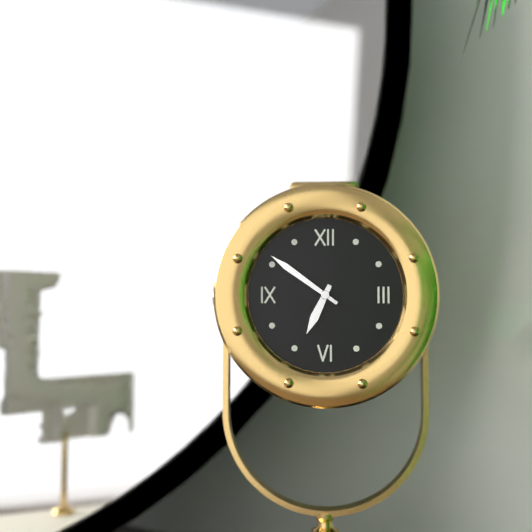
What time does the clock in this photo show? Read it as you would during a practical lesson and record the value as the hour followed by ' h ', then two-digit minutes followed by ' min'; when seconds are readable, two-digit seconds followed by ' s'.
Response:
6 h 51 min
